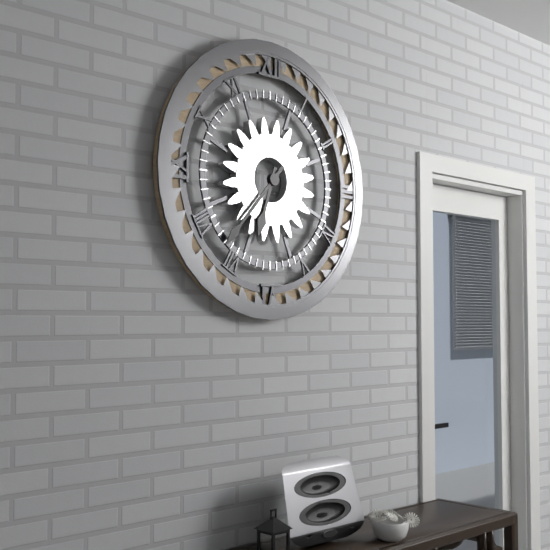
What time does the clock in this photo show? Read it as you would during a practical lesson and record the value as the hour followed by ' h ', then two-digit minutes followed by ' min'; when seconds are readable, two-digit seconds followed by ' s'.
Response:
6 h 37 min
